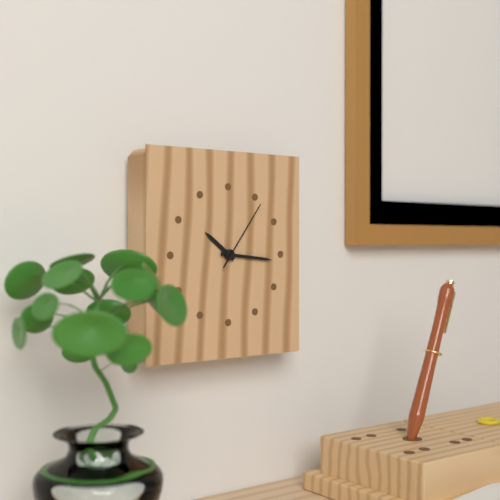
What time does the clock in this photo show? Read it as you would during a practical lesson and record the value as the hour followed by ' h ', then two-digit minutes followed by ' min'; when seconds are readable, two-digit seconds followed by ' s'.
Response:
10 h 16 min 06 s
